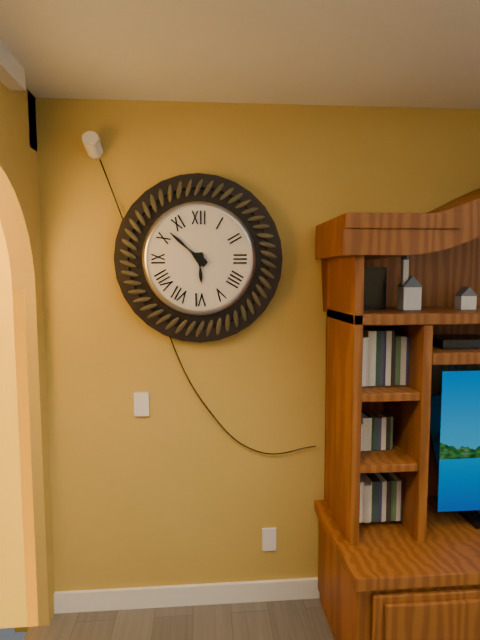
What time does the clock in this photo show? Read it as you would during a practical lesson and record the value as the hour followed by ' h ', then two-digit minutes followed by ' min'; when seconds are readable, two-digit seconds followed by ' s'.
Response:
5 h 52 min
